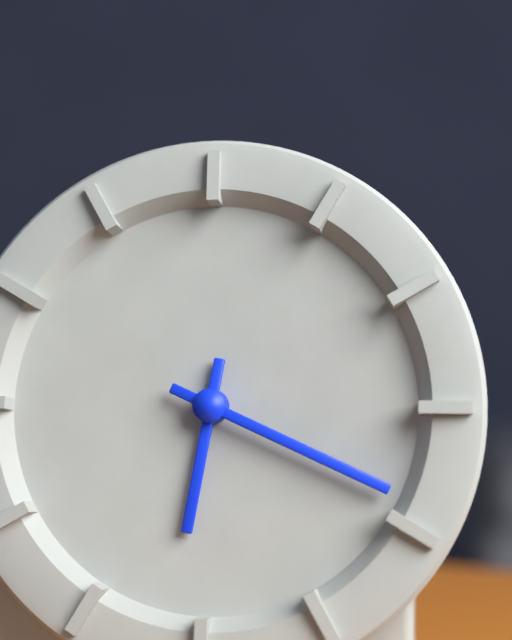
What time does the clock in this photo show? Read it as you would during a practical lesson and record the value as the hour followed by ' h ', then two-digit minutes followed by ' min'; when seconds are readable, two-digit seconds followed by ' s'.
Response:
6 h 19 min
